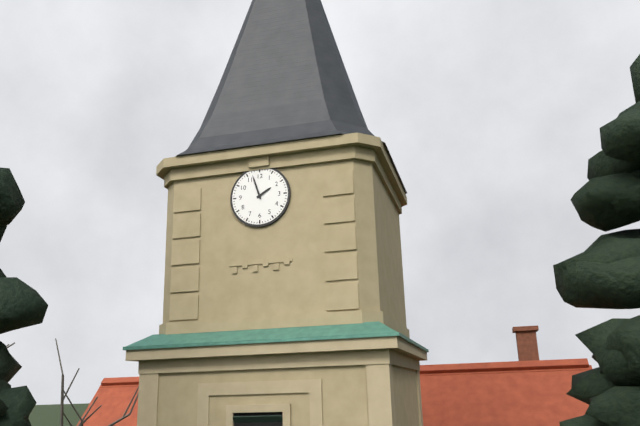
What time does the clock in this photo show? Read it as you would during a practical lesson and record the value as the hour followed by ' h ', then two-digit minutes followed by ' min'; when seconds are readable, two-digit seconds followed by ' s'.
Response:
1 h 57 min
